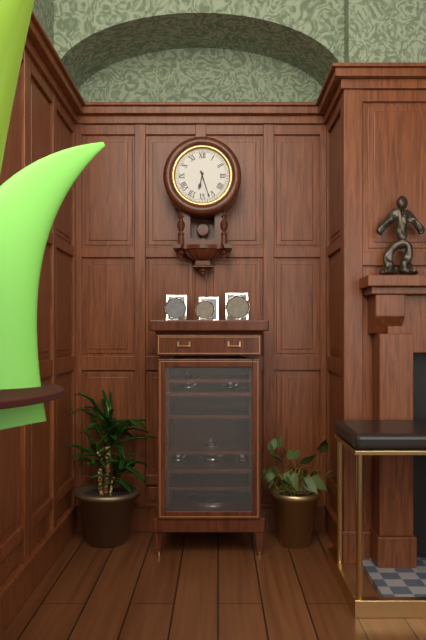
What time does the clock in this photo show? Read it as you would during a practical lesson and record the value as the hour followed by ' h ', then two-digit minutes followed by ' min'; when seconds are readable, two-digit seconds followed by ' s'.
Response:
6 h 27 min
